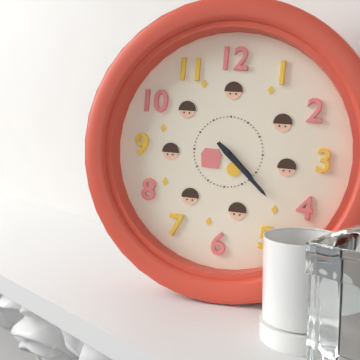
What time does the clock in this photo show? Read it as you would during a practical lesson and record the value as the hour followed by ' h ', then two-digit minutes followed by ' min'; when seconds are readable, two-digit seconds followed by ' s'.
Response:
4 h 22 min
